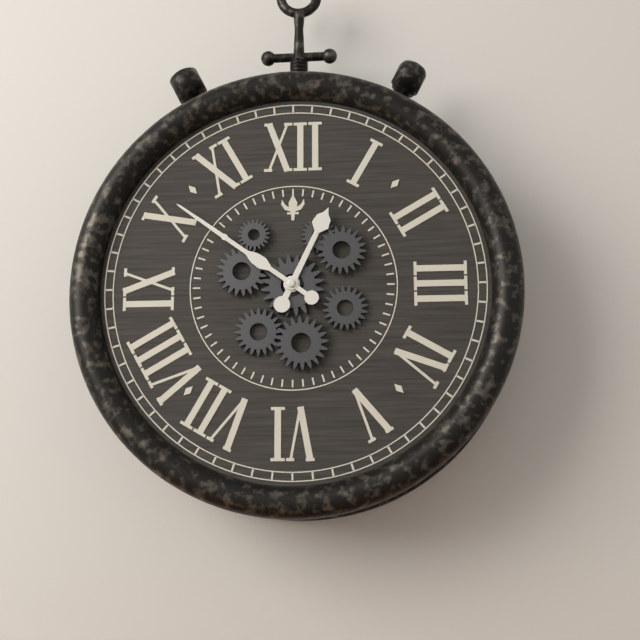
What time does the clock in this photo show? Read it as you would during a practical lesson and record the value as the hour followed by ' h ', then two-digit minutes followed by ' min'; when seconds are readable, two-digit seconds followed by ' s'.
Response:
12 h 51 min
